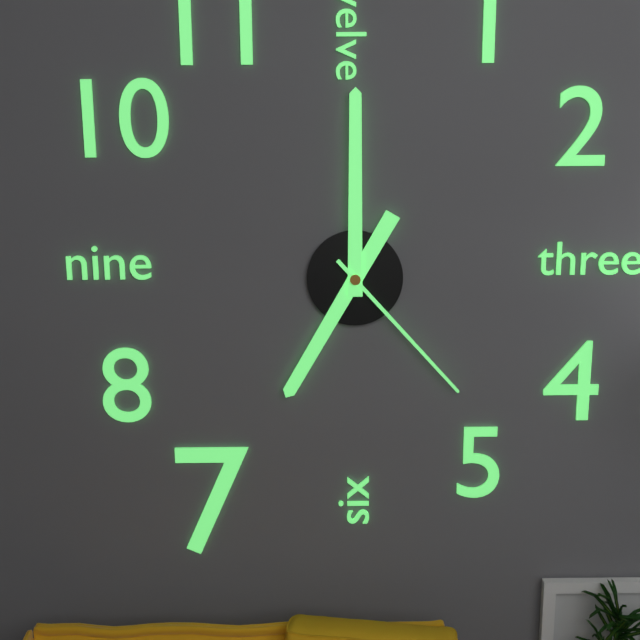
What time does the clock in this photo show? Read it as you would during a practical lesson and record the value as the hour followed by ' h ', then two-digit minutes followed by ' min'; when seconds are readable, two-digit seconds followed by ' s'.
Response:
7 h 00 min 23 s
